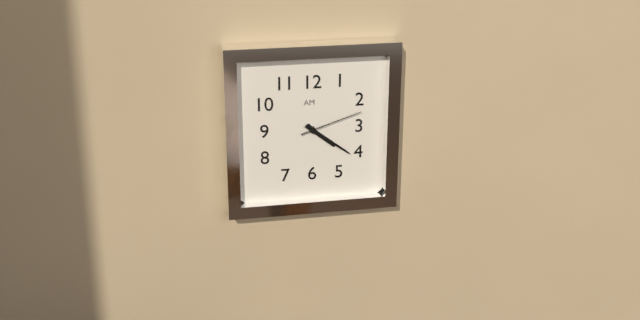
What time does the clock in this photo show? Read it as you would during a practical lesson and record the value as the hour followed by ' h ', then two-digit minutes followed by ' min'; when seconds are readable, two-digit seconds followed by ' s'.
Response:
4 h 21 min 12 s
